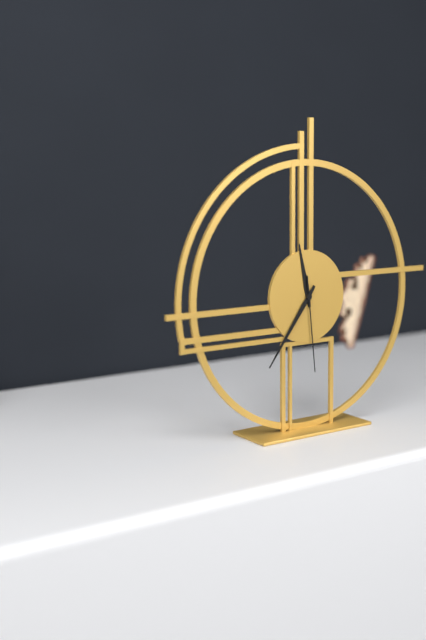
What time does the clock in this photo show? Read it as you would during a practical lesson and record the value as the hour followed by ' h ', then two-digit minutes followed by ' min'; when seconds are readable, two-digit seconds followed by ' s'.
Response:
11 h 36 min 29 s
